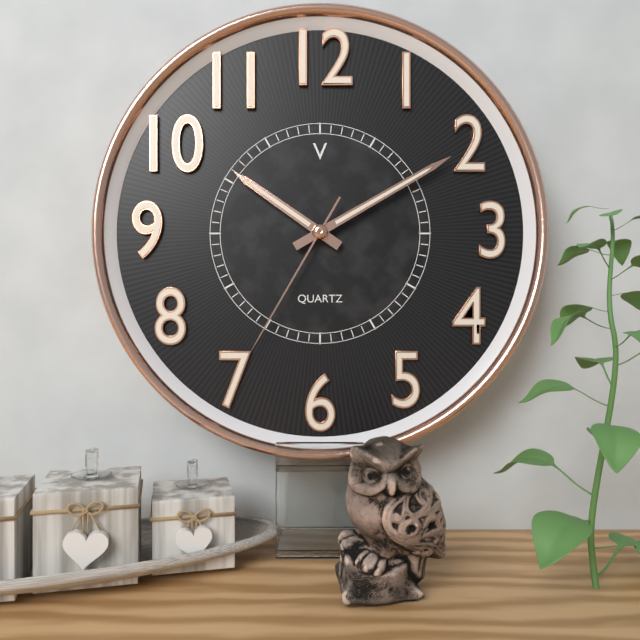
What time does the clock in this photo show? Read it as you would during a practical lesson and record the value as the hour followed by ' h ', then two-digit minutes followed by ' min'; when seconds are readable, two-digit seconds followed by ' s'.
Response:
10 h 10 min 35 s
